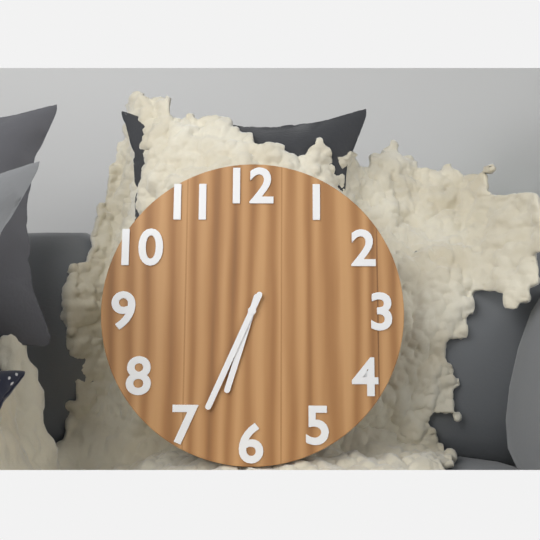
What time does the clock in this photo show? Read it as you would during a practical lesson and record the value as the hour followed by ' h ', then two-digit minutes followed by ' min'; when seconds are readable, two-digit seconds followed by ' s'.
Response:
6 h 34 min
